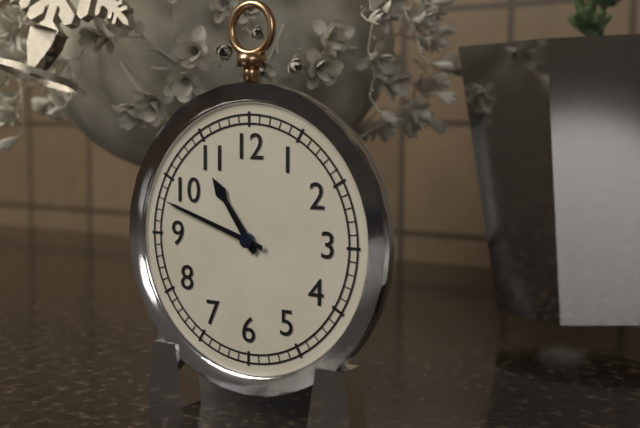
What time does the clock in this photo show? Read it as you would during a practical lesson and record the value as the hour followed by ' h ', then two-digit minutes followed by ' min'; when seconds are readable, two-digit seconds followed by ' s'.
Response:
10 h 48 min
